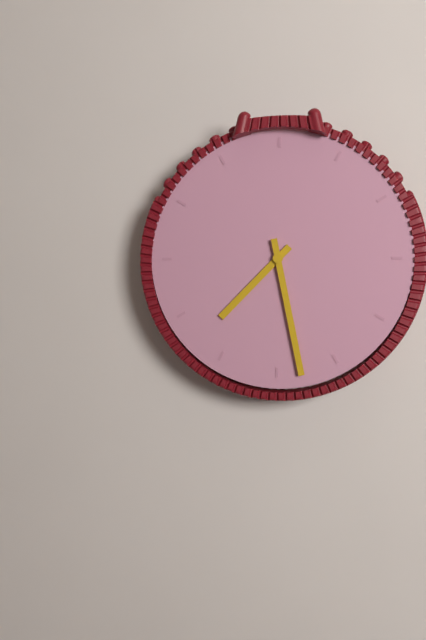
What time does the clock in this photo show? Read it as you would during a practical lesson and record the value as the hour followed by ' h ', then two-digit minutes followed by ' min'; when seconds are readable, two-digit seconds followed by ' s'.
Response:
7 h 28 min
